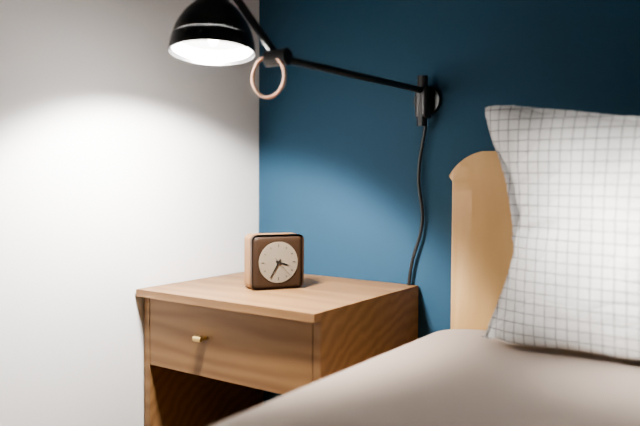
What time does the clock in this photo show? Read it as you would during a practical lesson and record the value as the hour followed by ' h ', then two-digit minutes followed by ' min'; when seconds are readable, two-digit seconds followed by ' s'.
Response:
3 h 35 min
